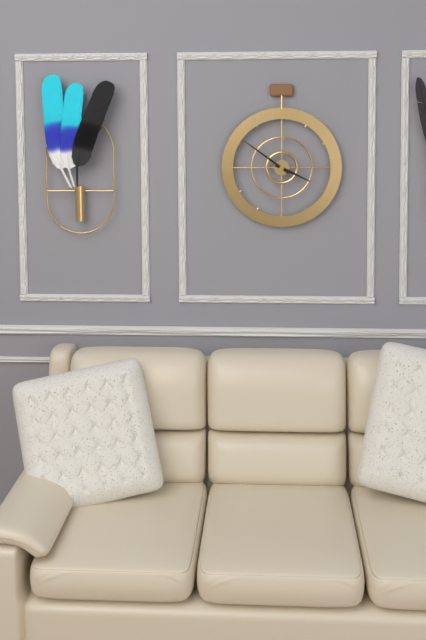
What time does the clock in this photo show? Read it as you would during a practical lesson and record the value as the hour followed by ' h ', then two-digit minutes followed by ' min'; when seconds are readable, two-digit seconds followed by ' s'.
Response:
3 h 51 min
